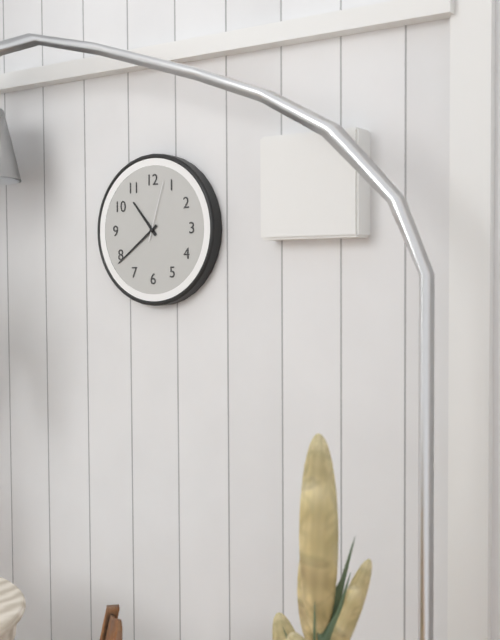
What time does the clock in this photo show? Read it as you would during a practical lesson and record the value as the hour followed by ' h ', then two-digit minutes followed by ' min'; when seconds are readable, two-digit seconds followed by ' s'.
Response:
10 h 39 min 03 s
